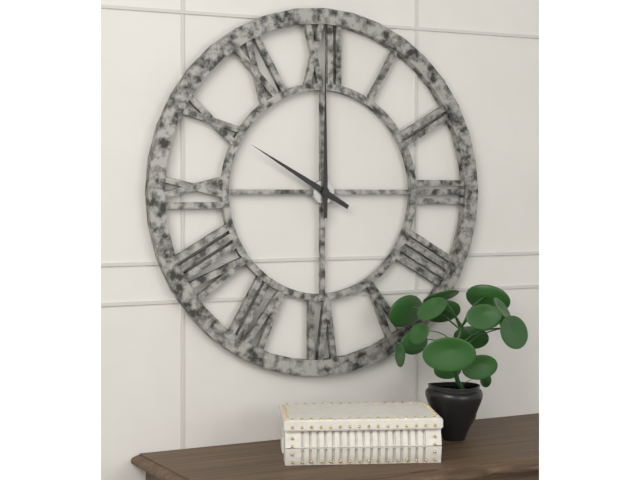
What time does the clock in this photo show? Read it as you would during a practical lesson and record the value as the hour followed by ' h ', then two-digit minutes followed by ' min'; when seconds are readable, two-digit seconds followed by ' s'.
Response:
10 h 00 min
